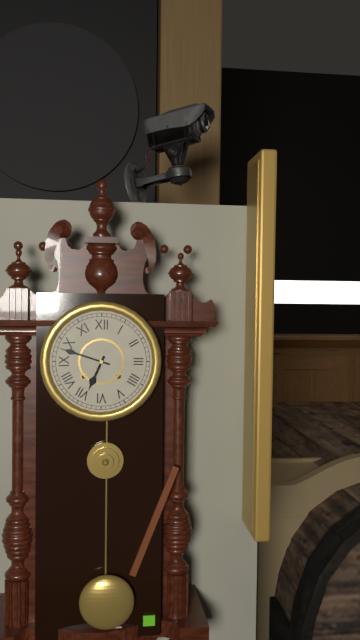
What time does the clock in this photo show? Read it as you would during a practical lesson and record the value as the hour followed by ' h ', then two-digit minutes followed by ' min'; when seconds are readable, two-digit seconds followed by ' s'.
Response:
6 h 48 min
